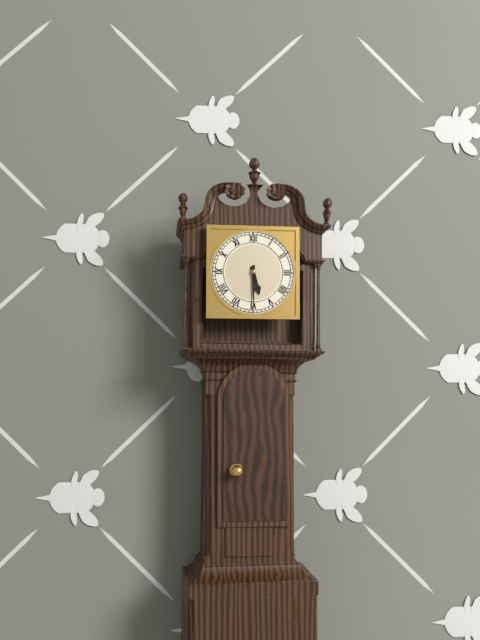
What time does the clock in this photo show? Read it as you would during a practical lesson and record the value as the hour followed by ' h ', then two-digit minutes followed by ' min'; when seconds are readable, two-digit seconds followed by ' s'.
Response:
5 h 30 min
